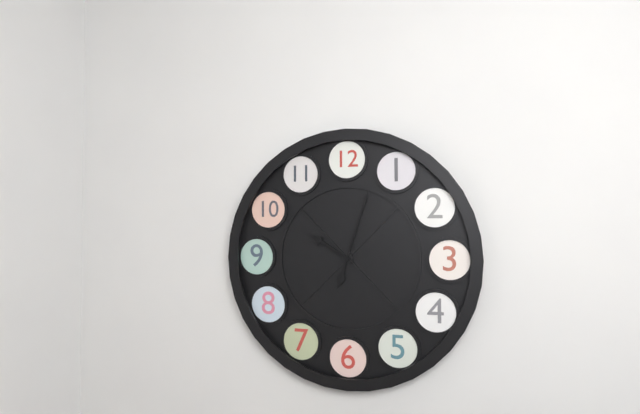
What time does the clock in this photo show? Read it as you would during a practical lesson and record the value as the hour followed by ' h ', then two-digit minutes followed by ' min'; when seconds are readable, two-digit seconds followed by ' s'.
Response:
10 h 03 min
